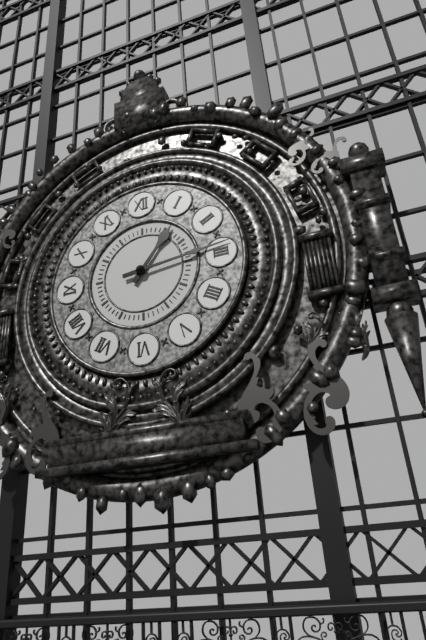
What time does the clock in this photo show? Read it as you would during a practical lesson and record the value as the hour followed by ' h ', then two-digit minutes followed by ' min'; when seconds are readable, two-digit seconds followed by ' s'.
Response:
1 h 14 min
